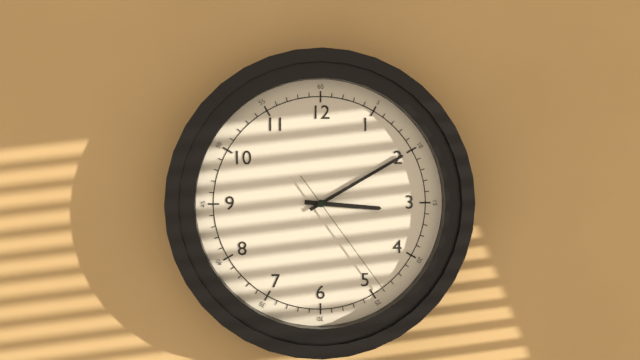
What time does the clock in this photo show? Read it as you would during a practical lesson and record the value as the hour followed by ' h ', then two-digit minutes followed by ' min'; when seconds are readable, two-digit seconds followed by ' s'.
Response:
3 h 10 min 24 s
